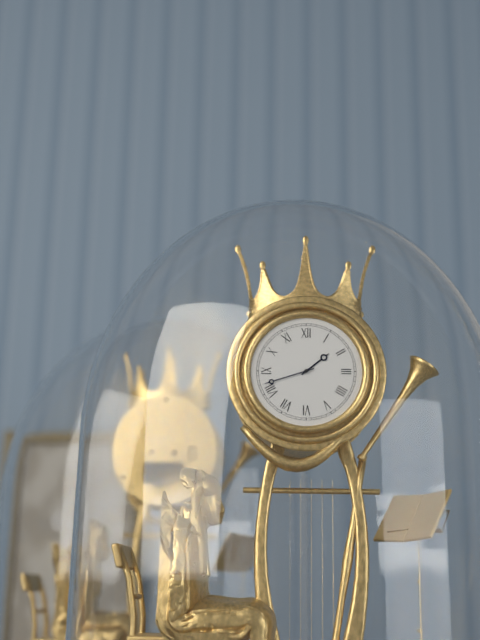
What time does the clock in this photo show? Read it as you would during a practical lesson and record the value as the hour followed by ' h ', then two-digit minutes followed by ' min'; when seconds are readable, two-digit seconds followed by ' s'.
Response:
1 h 42 min
